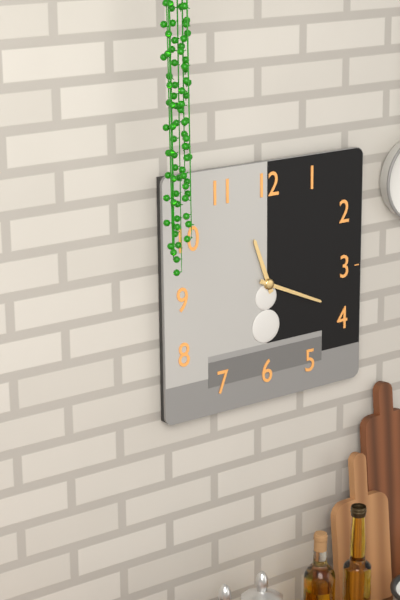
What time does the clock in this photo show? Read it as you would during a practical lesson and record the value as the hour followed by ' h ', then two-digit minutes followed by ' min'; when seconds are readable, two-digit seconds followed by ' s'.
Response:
11 h 19 min
